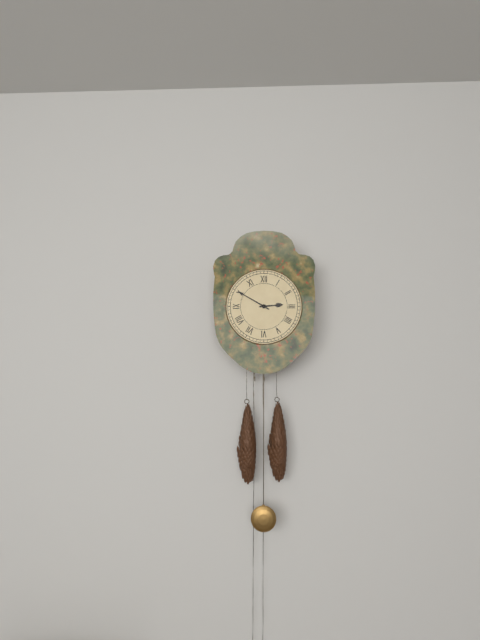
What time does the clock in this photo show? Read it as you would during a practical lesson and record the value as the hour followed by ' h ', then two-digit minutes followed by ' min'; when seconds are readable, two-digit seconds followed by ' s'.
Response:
2 h 50 min
